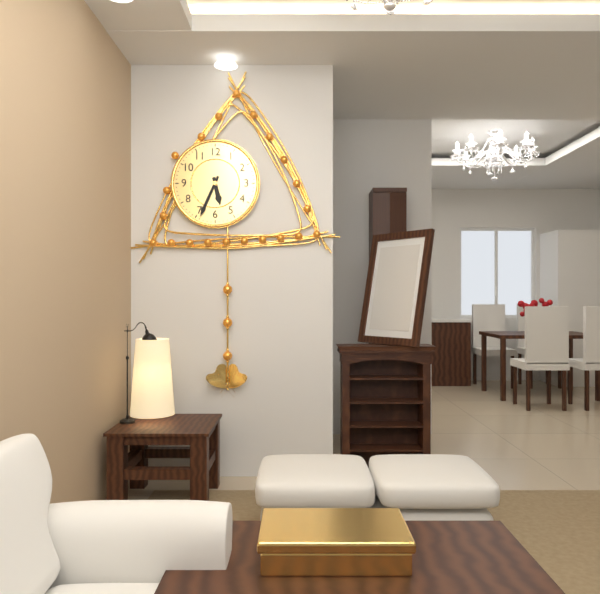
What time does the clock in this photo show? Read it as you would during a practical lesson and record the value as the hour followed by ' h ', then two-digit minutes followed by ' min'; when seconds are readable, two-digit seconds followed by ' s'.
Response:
5 h 34 min
